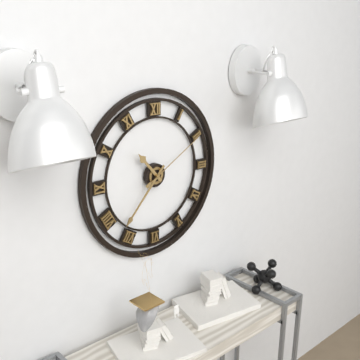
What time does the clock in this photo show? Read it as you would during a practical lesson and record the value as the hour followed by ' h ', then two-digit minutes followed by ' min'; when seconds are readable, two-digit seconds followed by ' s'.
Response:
10 h 37 min 10 s
